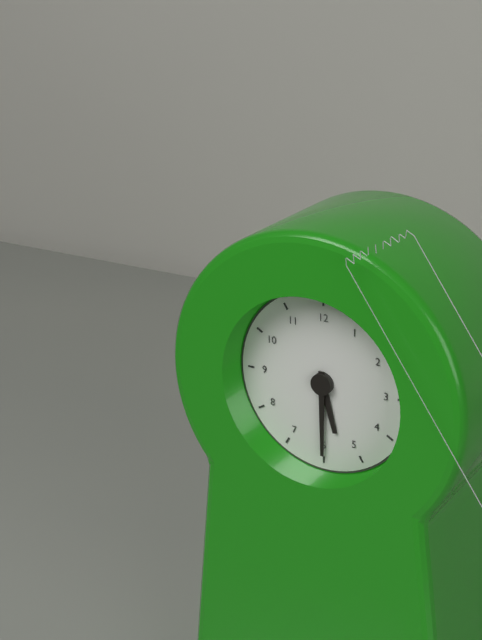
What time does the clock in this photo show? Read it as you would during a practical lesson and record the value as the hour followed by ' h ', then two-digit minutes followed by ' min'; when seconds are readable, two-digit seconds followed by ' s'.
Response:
5 h 30 min
